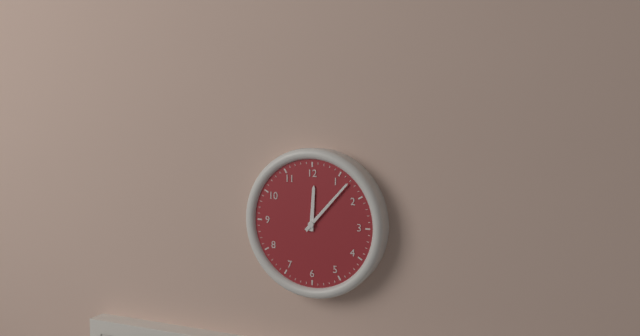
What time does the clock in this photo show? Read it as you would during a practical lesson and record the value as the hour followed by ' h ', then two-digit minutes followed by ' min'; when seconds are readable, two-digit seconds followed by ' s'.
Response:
12 h 07 min
